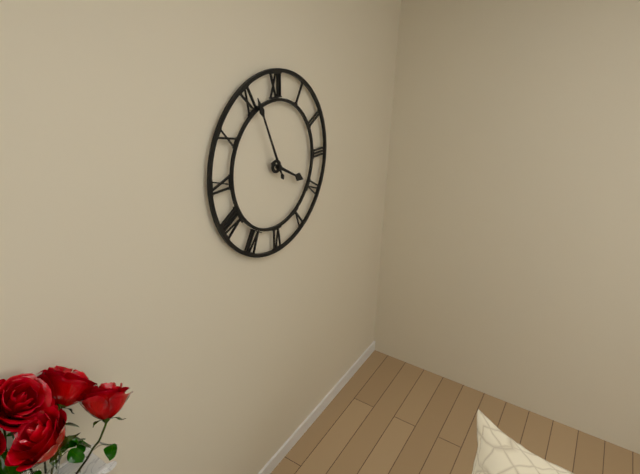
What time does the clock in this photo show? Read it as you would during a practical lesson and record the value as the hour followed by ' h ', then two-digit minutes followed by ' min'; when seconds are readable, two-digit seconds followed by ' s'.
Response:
3 h 56 min
